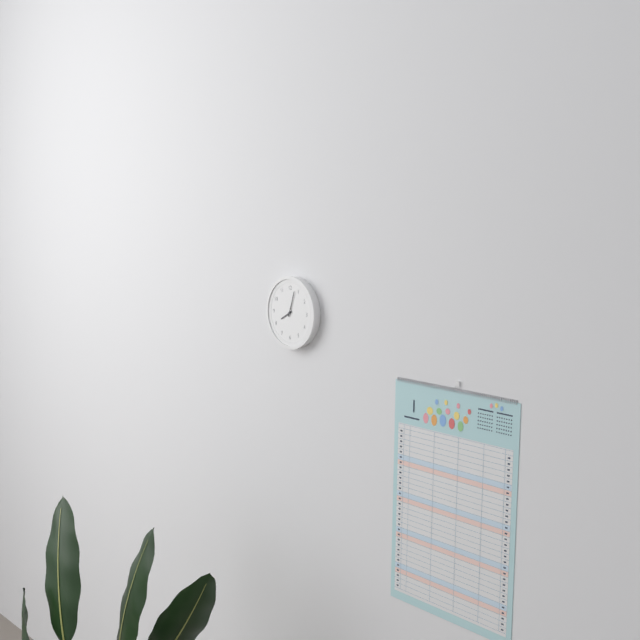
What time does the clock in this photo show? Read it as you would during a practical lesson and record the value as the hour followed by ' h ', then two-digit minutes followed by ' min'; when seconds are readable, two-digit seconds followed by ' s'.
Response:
8 h 03 min
